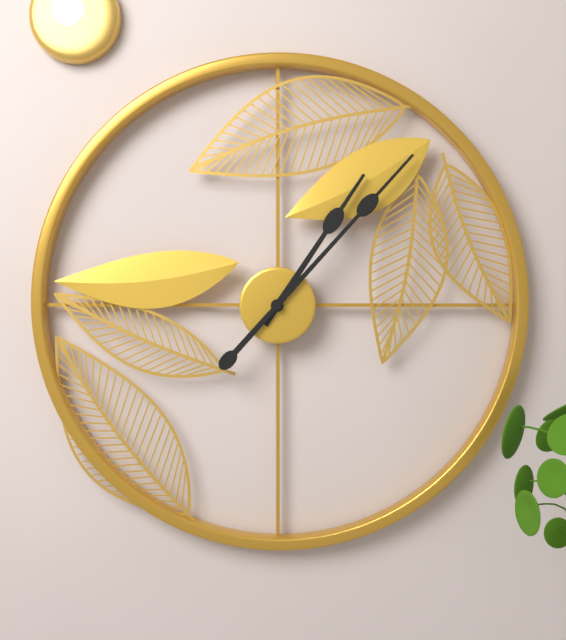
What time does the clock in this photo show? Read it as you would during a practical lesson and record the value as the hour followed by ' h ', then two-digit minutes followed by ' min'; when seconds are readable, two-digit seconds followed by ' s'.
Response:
1 h 07 min
